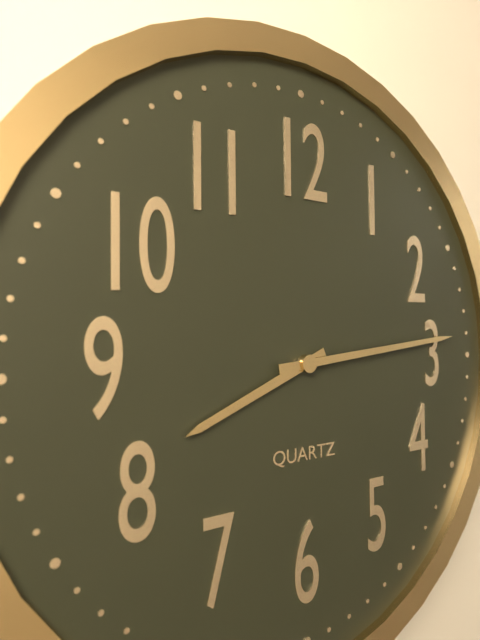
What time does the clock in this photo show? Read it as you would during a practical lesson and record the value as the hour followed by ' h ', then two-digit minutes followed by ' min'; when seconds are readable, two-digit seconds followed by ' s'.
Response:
8 h 14 min
